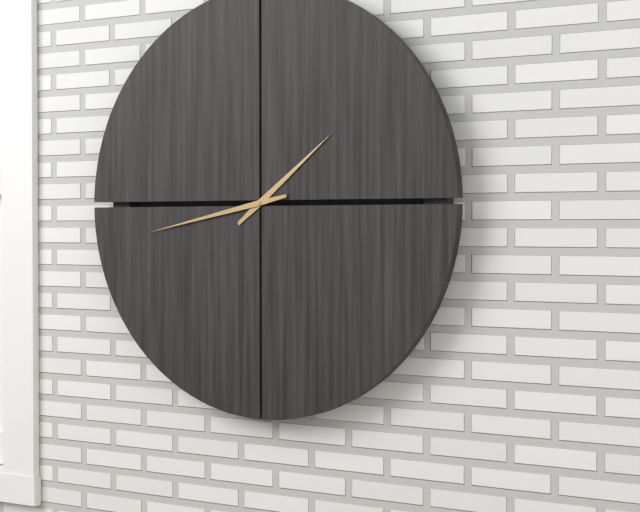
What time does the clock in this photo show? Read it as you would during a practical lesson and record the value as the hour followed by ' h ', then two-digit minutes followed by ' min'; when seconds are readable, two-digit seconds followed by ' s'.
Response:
1 h 43 min
